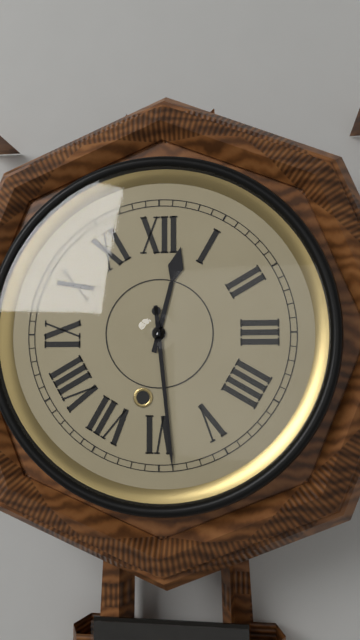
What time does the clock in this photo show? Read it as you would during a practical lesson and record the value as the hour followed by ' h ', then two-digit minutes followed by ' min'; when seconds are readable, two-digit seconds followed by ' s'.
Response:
12 h 29 min
